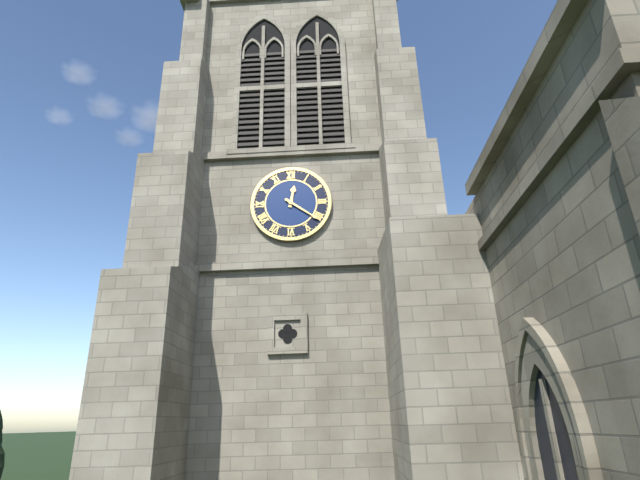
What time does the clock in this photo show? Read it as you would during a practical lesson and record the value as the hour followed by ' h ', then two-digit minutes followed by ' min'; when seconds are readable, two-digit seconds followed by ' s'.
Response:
12 h 21 min
